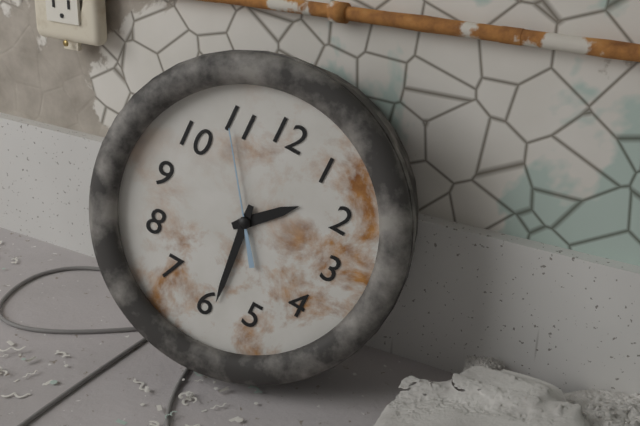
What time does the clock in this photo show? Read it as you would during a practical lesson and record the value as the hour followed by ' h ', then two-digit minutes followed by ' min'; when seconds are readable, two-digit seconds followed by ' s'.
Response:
1 h 29 min 54 s
